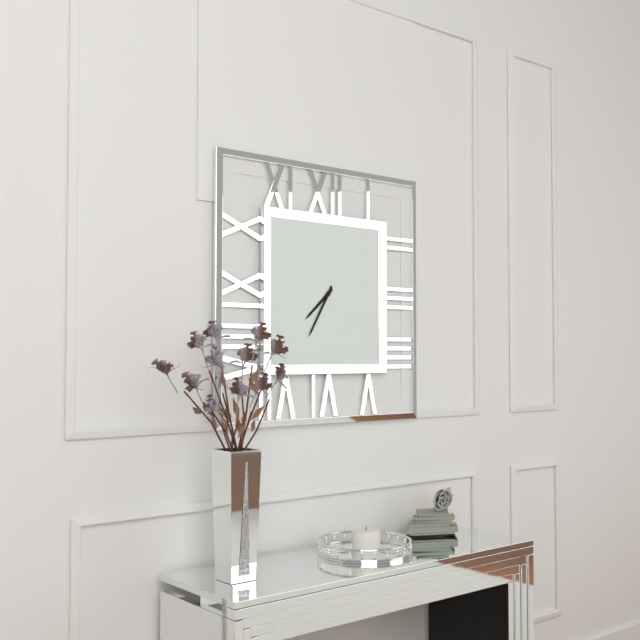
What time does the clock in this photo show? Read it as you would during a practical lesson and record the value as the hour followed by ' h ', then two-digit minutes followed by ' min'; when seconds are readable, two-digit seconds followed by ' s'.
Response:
7 h 35 min
